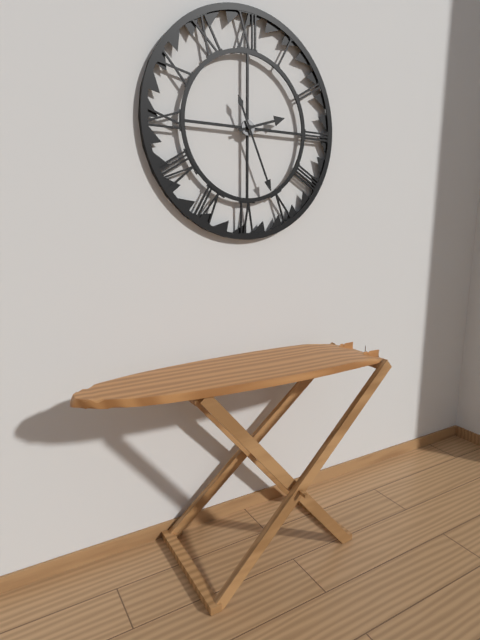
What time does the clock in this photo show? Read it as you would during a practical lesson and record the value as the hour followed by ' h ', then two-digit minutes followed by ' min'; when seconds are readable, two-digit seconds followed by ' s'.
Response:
2 h 26 min
